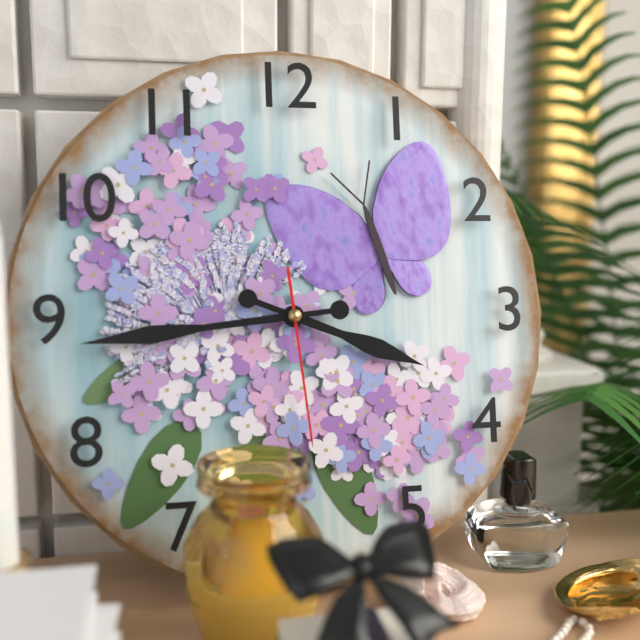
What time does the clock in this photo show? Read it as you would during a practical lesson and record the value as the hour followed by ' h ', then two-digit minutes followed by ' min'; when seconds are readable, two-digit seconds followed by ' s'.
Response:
3 h 44 min 29 s
